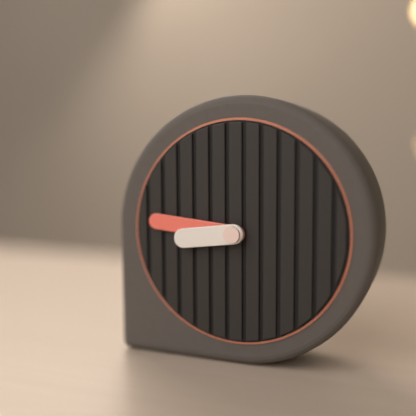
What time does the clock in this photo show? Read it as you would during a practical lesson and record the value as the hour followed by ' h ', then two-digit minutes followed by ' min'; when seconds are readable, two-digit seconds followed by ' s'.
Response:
8 h 46 min
